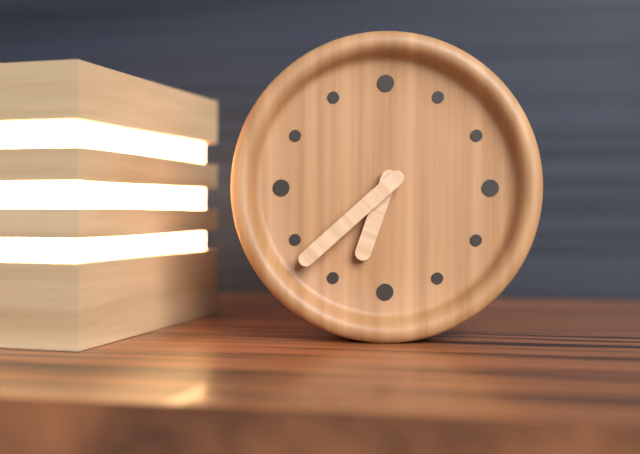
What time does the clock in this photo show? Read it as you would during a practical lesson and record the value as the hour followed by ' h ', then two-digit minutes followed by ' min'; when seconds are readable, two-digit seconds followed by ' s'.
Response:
6 h 38 min
